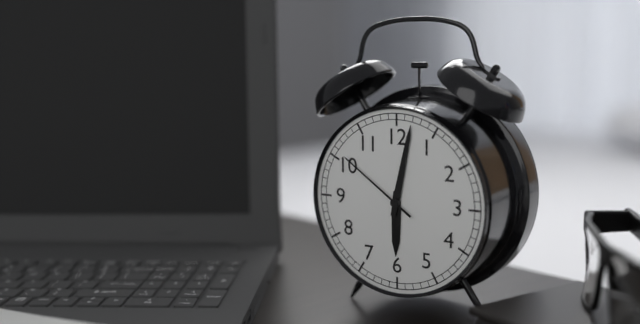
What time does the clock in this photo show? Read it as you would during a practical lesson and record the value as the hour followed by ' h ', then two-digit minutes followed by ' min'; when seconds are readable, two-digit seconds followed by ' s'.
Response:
6 h 02 min 51 s
